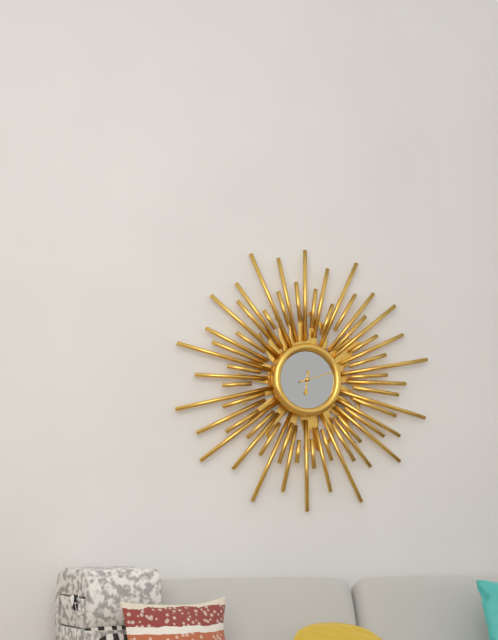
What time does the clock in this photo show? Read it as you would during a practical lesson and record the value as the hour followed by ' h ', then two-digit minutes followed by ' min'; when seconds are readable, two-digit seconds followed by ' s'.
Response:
6 h 12 min
